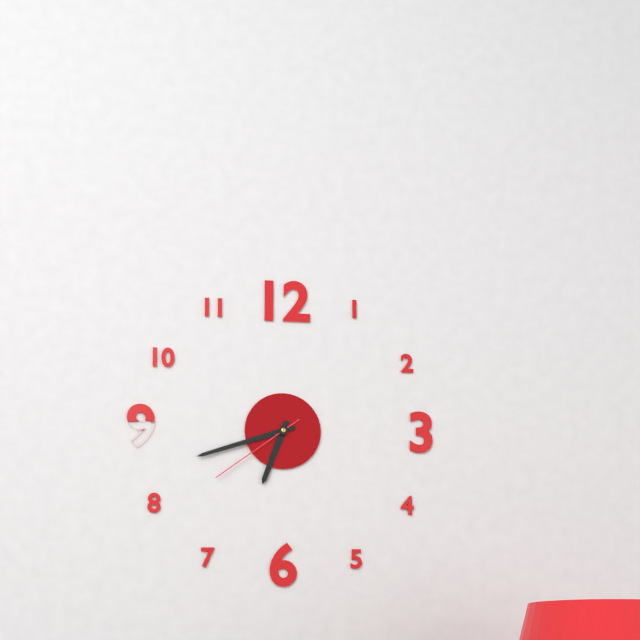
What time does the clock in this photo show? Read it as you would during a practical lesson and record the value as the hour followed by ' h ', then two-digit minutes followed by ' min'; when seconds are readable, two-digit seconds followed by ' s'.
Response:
6 h 42 min 39 s
